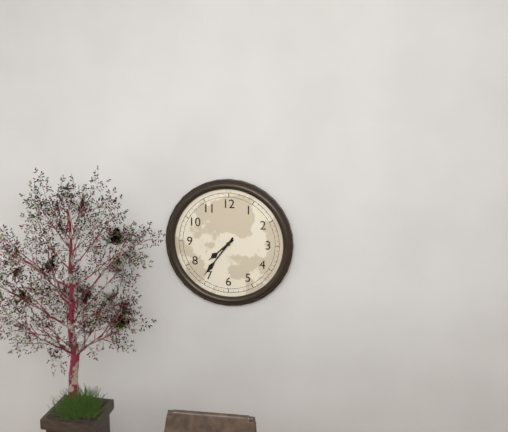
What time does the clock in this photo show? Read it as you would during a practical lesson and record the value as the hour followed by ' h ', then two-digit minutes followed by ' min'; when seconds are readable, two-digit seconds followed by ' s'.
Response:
7 h 36 min
